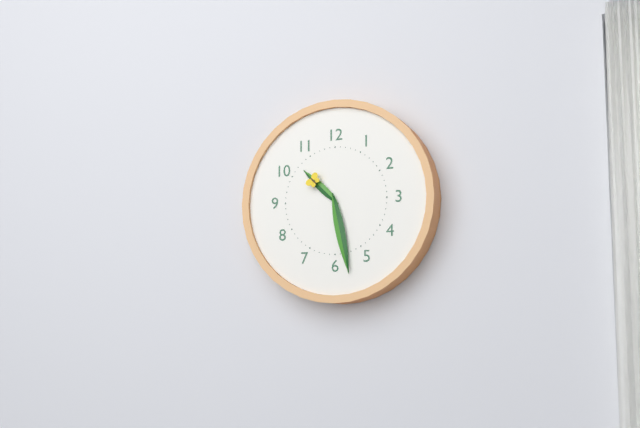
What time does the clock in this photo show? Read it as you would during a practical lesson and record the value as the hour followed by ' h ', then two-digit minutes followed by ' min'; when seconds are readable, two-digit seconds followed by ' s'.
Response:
10 h 28 min
